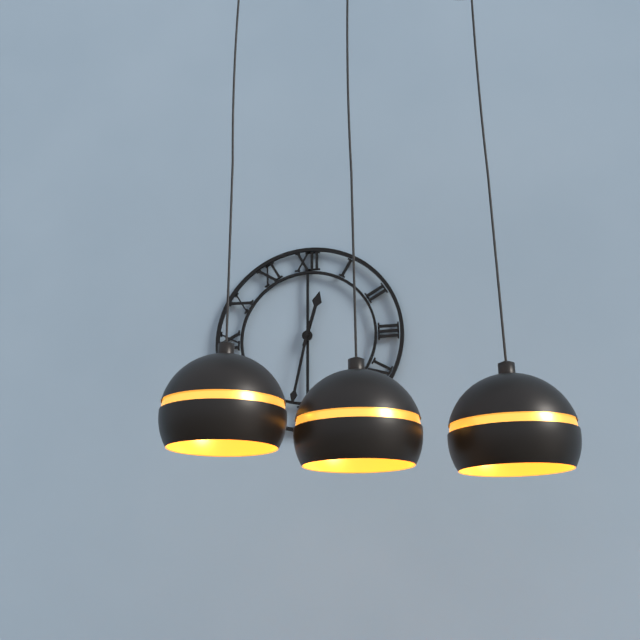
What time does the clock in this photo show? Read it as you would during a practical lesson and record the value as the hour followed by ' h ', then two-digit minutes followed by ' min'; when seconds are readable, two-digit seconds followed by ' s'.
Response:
12 h 32 min
